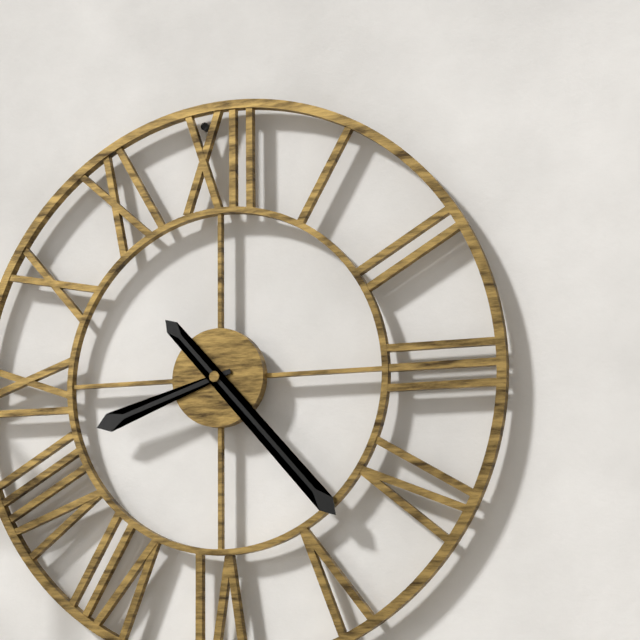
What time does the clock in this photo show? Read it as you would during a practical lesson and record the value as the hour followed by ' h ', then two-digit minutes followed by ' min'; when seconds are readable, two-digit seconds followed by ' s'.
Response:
8 h 23 min
